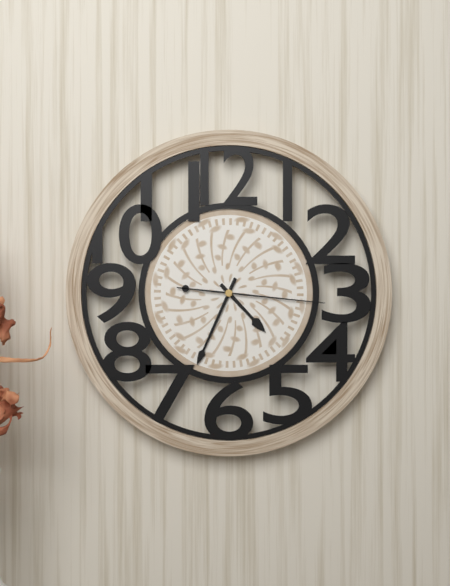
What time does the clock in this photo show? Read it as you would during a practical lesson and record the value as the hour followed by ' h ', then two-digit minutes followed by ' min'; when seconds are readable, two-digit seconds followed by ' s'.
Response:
4 h 34 min 16 s
